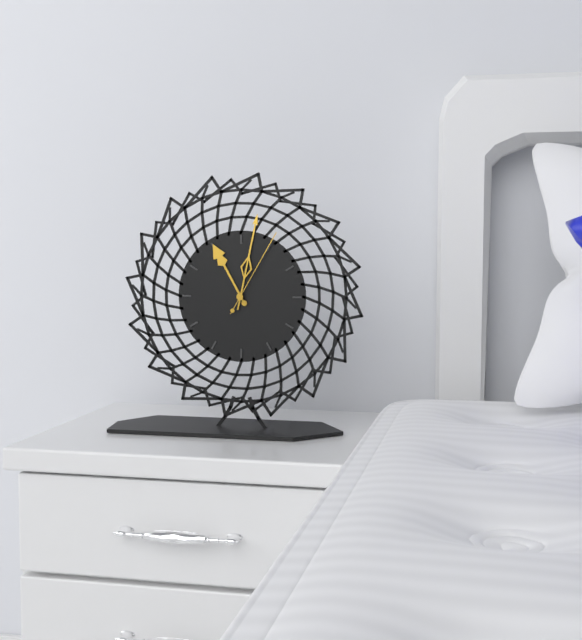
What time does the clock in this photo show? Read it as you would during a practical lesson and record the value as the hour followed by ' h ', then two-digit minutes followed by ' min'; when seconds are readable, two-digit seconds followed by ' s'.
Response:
11 h 02 min 05 s
